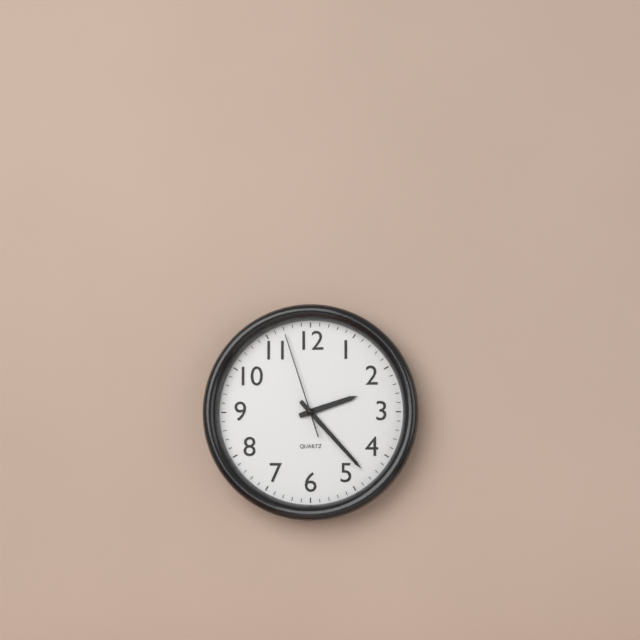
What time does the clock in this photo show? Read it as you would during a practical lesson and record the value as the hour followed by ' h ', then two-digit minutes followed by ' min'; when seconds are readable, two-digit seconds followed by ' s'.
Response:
2 h 23 min 57 s
